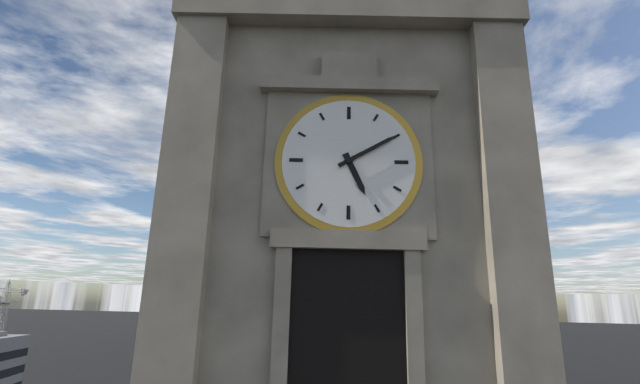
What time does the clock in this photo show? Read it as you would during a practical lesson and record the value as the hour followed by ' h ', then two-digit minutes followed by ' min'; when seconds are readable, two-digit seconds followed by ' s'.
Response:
5 h 10 min
